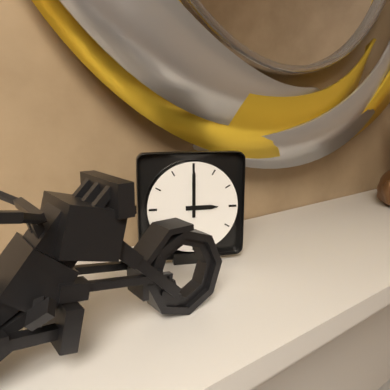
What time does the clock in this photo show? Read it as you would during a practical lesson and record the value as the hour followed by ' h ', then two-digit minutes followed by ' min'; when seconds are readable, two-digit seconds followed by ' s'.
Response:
3 h 00 min
